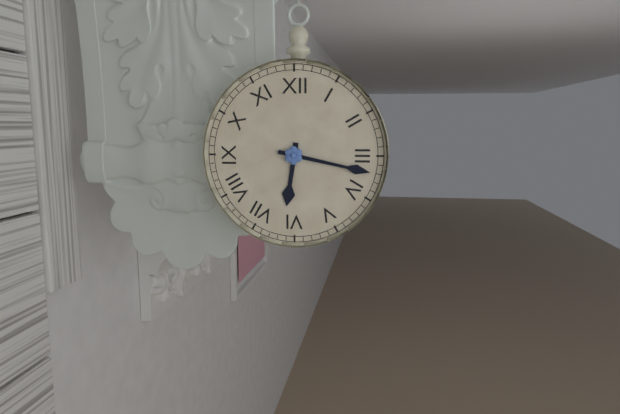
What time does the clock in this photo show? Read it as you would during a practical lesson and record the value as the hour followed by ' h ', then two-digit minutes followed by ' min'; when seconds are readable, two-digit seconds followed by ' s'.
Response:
6 h 17 min
